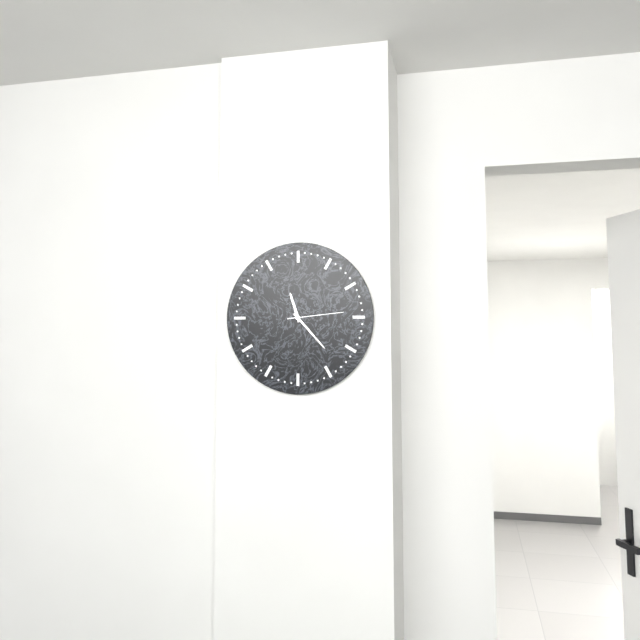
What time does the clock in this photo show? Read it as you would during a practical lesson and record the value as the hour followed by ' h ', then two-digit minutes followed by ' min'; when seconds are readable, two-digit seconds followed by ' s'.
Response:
11 h 23 min 14 s
